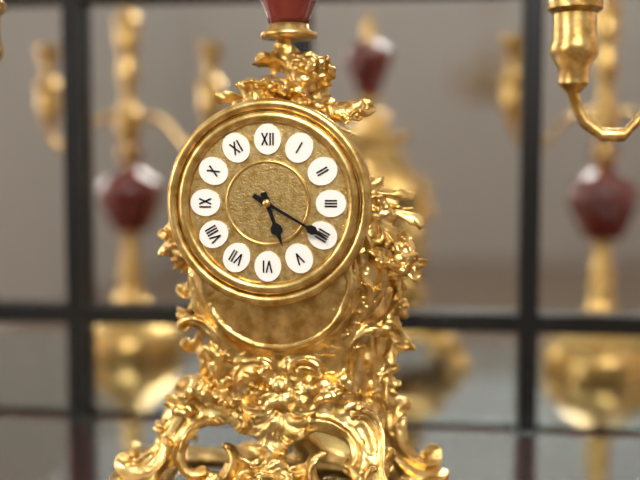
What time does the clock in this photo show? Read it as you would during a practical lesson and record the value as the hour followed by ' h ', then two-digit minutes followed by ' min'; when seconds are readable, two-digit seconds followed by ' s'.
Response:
5 h 20 min
